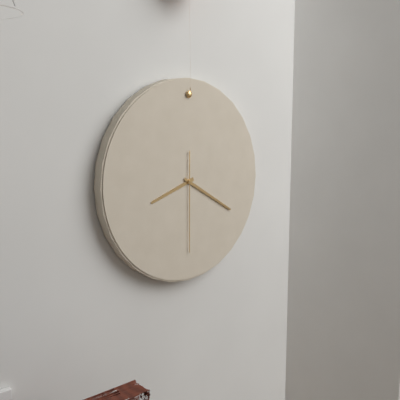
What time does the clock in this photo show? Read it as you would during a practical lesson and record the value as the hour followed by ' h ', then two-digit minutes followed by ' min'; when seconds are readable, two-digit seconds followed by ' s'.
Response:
8 h 20 min 30 s
